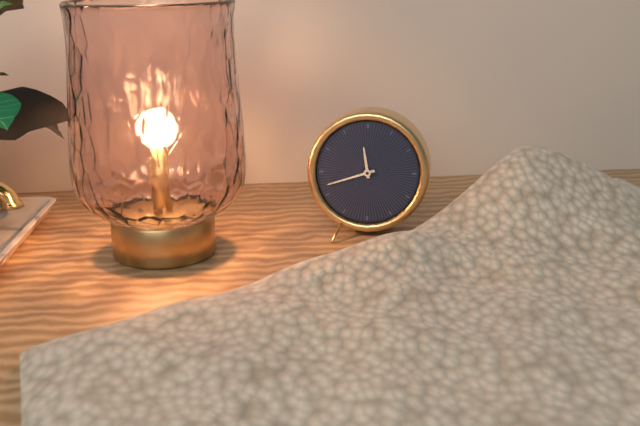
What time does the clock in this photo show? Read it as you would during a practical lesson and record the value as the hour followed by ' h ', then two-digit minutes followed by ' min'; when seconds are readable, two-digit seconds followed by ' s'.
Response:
11 h 42 min
